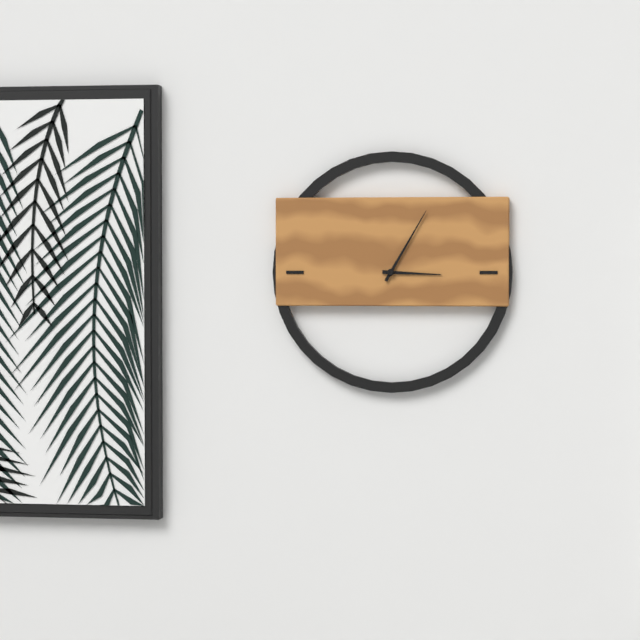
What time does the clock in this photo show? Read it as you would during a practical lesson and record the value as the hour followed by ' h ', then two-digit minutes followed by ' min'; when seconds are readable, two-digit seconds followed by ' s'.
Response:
3 h 05 min
